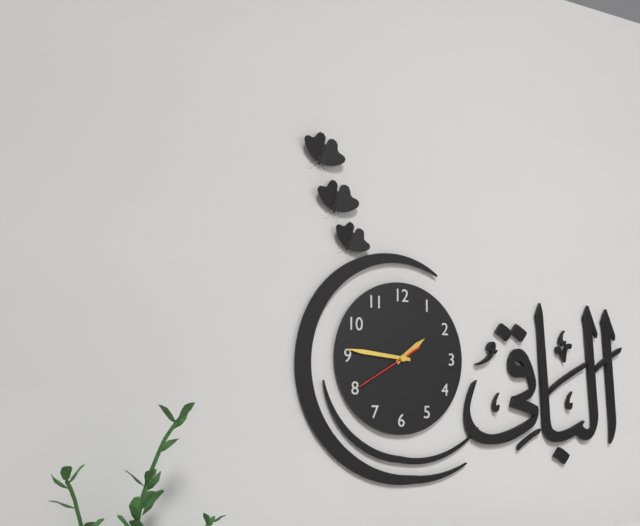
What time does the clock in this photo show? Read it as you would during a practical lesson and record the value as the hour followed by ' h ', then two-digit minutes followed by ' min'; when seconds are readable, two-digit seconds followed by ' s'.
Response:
1 h 46 min 40 s
